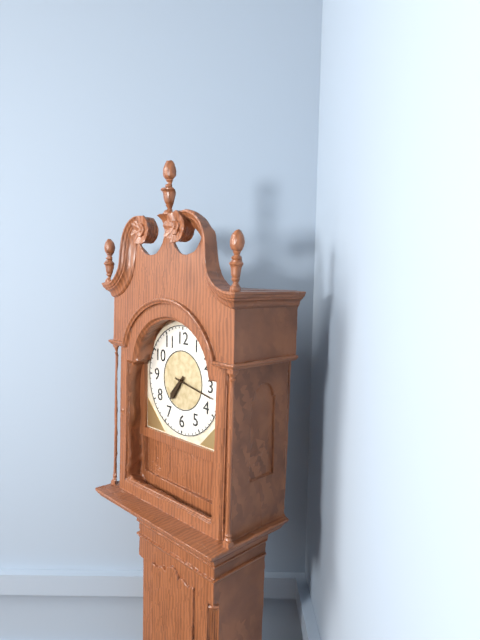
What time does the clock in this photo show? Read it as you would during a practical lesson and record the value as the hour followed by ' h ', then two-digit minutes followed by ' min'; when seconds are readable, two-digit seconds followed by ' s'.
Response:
7 h 17 min
